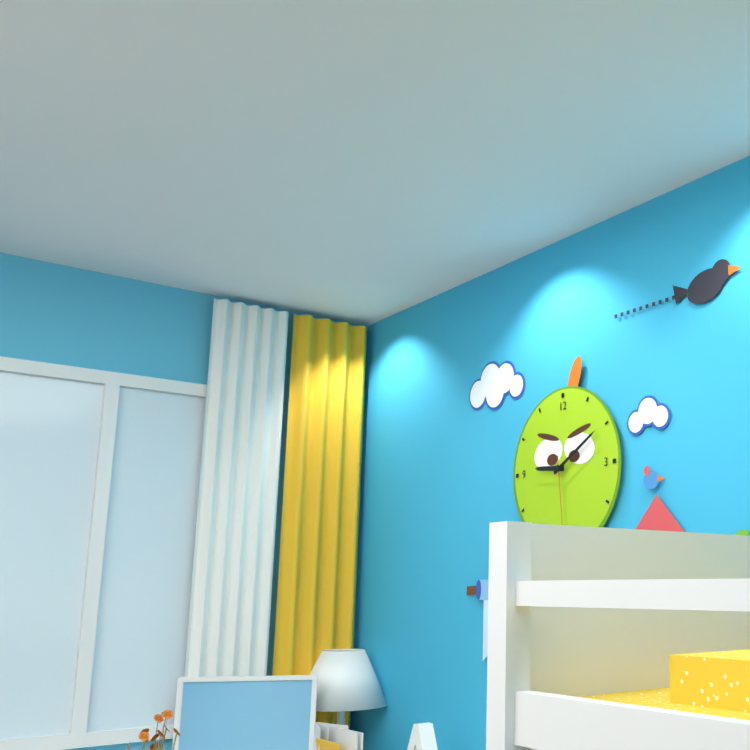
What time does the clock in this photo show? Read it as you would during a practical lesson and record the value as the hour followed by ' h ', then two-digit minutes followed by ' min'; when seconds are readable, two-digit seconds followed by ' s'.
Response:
9 h 10 min 29 s
